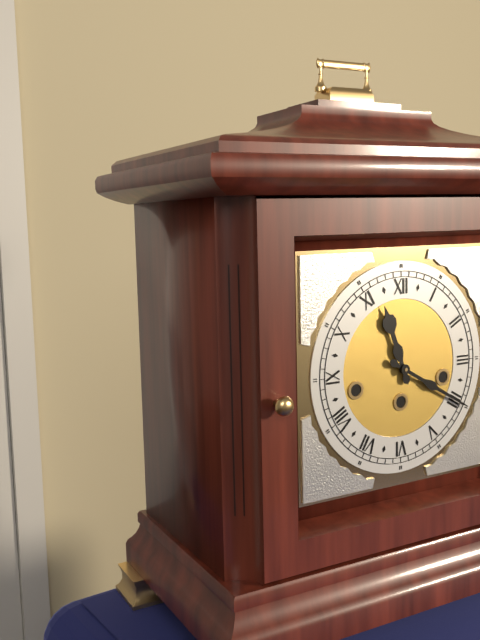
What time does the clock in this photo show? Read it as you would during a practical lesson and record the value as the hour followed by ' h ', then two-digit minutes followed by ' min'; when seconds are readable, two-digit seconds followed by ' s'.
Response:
11 h 20 min
